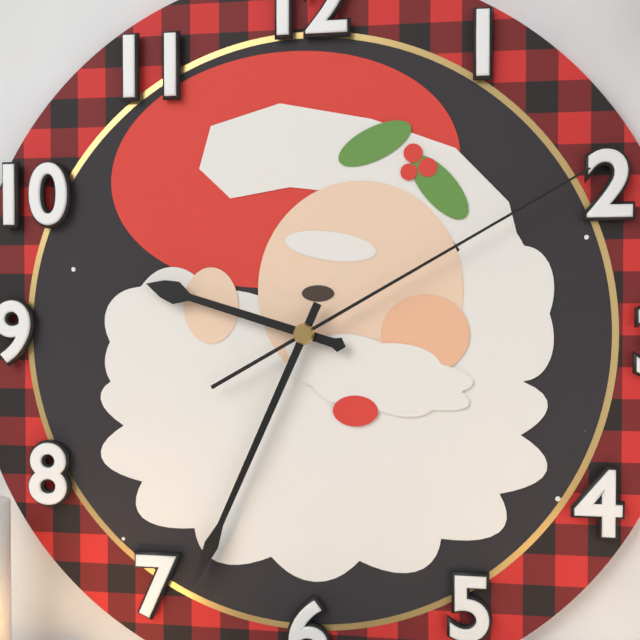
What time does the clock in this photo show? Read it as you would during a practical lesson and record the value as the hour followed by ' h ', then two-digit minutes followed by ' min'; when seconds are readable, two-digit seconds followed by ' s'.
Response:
9 h 34 min 10 s
